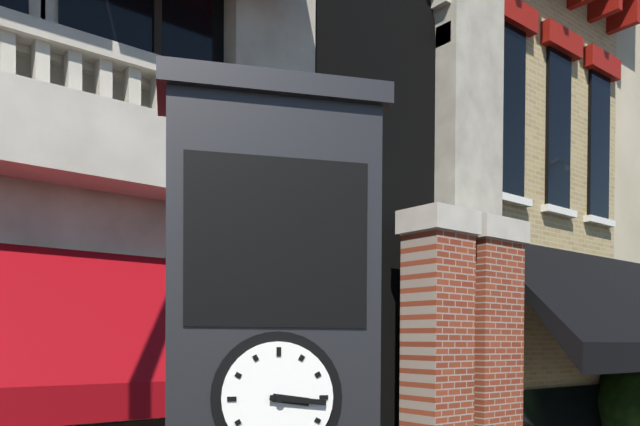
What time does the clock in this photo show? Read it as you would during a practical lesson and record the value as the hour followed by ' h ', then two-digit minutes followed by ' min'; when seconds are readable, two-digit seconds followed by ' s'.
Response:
3 h 16 min
